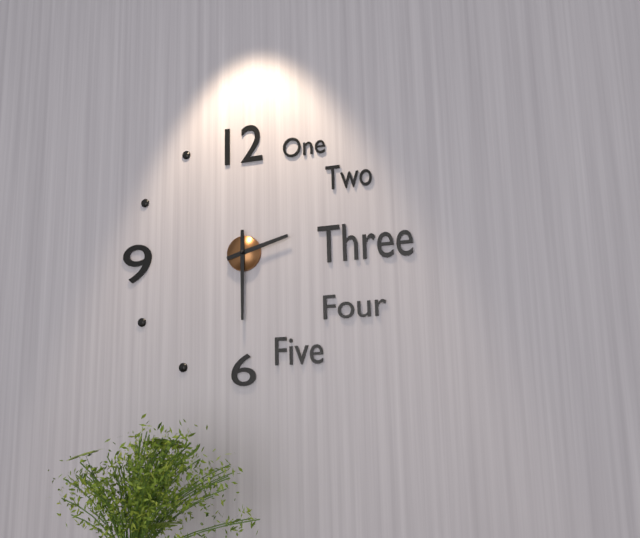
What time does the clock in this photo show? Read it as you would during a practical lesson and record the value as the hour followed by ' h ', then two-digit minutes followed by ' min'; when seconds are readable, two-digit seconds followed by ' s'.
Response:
2 h 30 min
